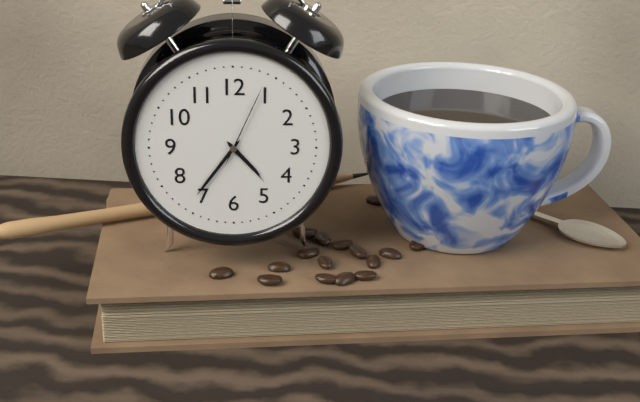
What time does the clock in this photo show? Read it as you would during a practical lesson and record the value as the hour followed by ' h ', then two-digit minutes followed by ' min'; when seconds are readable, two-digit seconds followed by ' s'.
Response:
4 h 36 min 04 s
